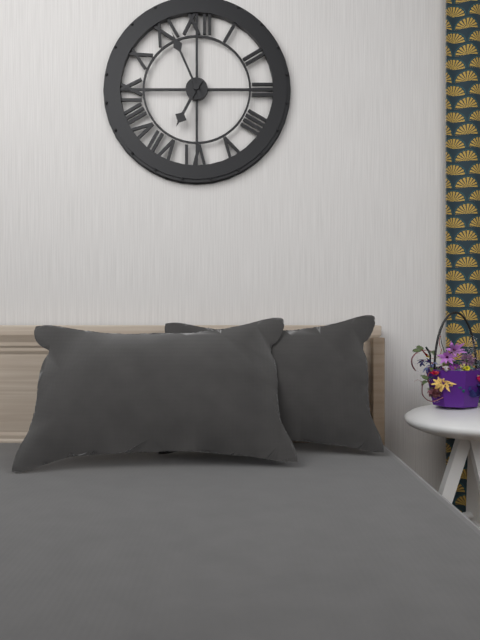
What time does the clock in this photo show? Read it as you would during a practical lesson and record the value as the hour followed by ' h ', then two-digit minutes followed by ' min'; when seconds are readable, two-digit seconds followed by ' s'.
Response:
6 h 56 min
